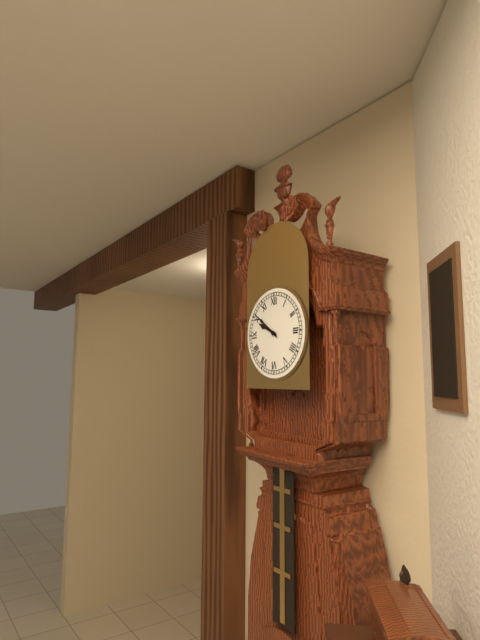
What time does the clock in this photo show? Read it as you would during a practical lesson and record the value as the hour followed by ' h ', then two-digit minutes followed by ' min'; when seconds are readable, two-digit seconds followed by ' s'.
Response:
9 h 51 min
